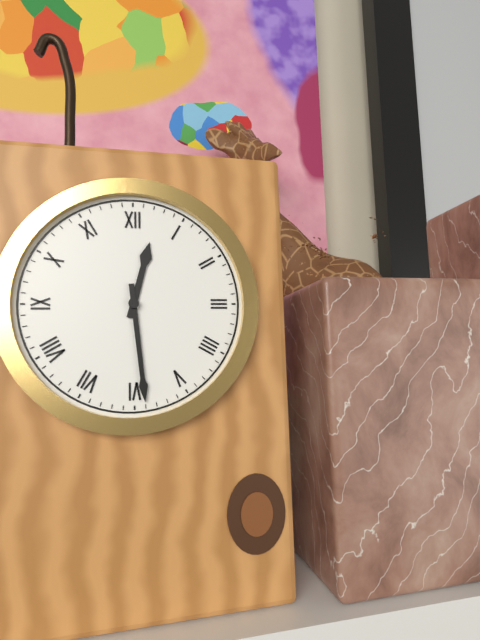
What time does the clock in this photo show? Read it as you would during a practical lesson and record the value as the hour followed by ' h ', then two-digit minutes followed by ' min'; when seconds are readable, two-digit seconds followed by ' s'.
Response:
12 h 29 min
